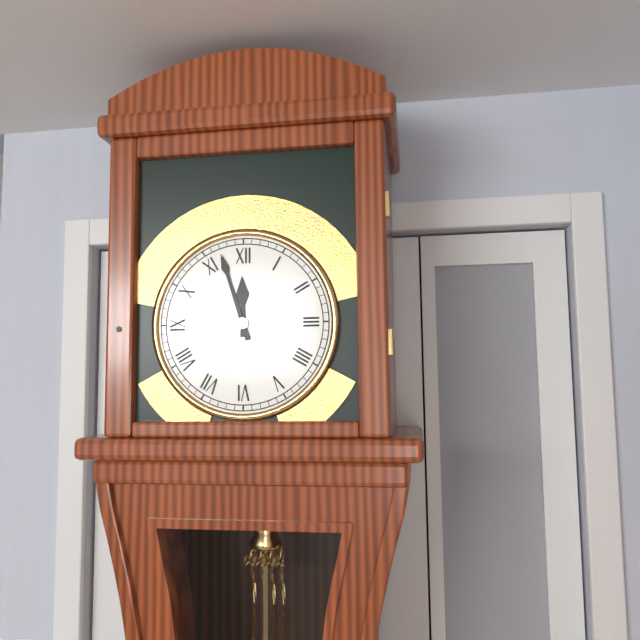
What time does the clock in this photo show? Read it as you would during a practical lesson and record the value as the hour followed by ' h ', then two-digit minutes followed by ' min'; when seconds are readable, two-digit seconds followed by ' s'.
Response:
11 h 57 min
